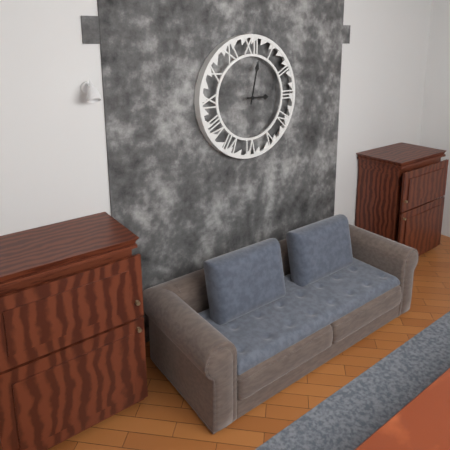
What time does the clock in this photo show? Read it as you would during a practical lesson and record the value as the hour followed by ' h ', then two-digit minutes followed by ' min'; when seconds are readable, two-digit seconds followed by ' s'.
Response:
3 h 02 min
